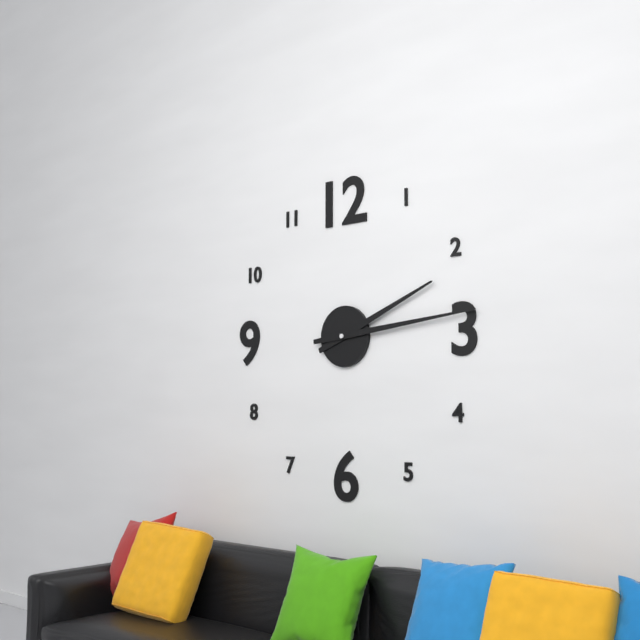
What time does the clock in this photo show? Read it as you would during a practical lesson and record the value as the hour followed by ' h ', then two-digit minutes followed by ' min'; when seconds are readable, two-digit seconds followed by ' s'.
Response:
2 h 14 min
